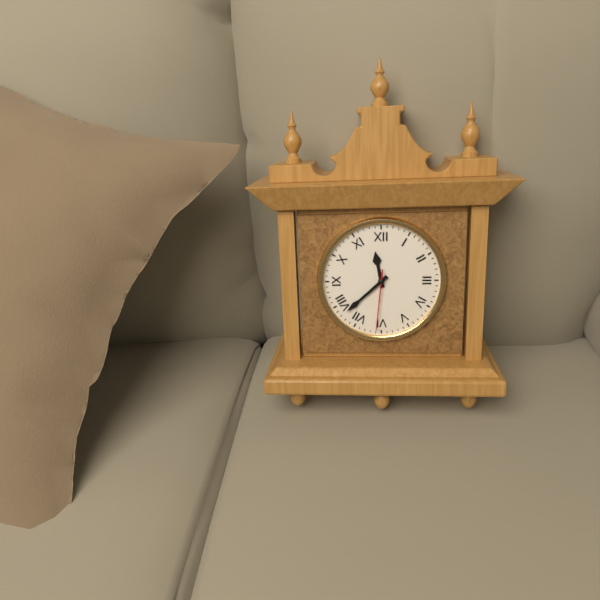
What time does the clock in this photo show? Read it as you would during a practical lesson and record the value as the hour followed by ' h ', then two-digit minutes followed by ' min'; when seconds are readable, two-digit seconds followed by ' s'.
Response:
11 h 38 min 31 s
